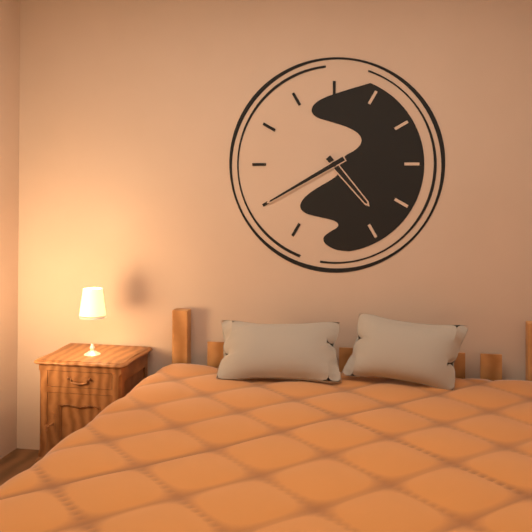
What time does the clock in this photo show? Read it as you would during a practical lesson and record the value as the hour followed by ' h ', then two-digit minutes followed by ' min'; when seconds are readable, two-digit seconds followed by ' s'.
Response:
4 h 40 min
